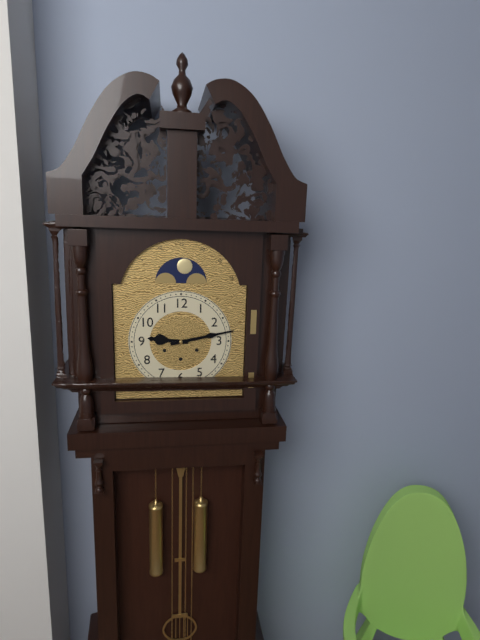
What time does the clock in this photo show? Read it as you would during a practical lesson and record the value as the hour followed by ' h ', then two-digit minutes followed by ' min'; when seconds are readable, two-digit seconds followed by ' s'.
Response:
9 h 13 min
